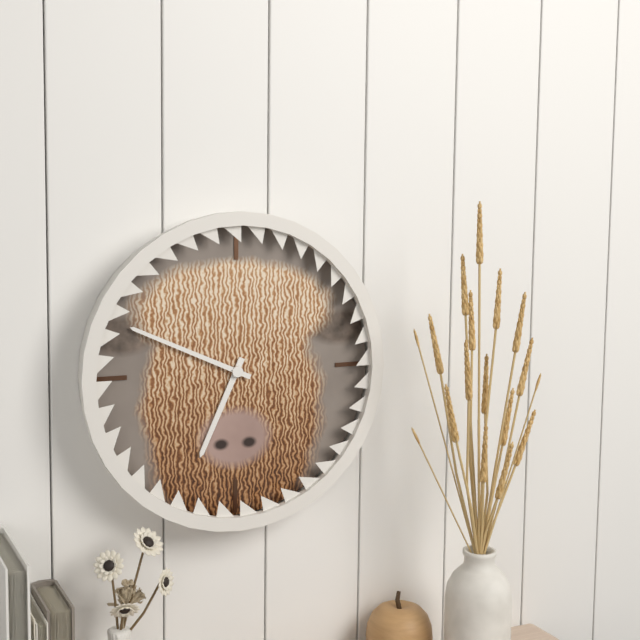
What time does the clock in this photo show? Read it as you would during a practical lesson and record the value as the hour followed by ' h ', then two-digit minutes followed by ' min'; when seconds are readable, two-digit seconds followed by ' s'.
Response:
6 h 49 min
